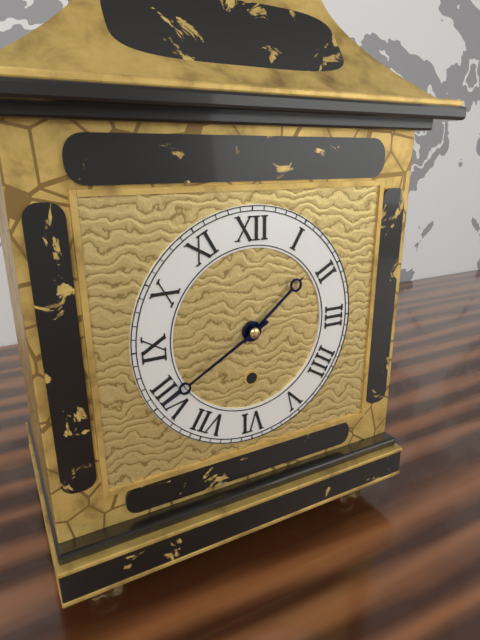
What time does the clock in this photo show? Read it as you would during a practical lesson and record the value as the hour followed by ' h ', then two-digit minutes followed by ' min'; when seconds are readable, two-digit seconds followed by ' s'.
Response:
1 h 40 min
